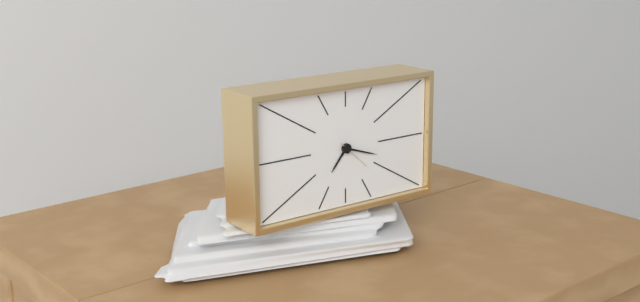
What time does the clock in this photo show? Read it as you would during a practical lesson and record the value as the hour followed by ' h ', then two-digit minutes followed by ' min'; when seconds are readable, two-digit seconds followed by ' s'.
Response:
7 h 18 min
